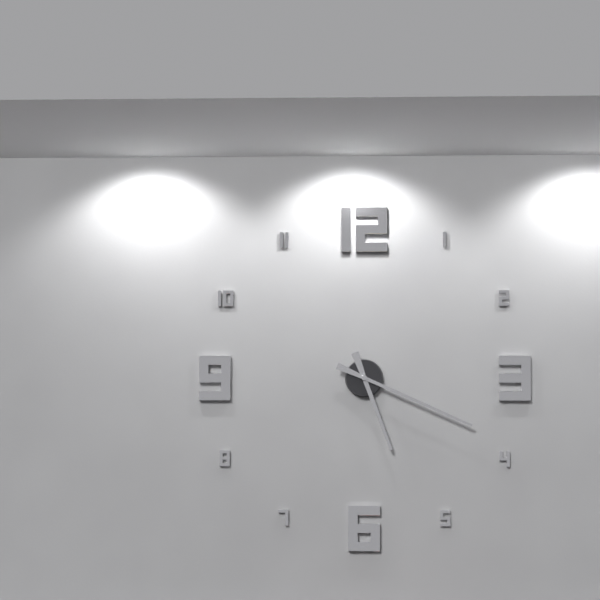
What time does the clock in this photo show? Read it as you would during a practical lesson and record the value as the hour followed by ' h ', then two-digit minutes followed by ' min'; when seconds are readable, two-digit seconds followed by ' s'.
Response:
5 h 19 min
